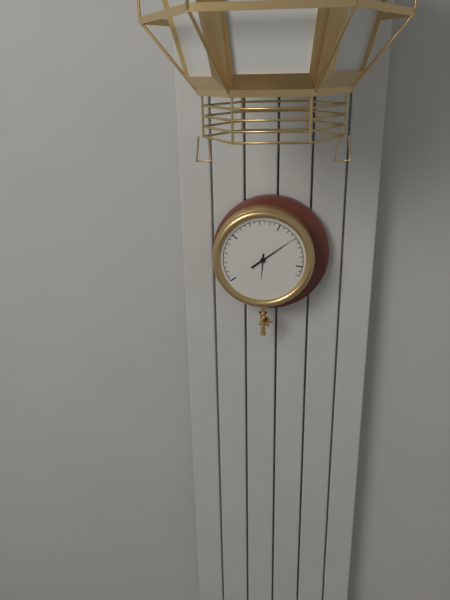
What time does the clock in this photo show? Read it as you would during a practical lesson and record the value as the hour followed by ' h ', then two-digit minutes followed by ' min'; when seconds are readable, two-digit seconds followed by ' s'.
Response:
6 h 09 min
